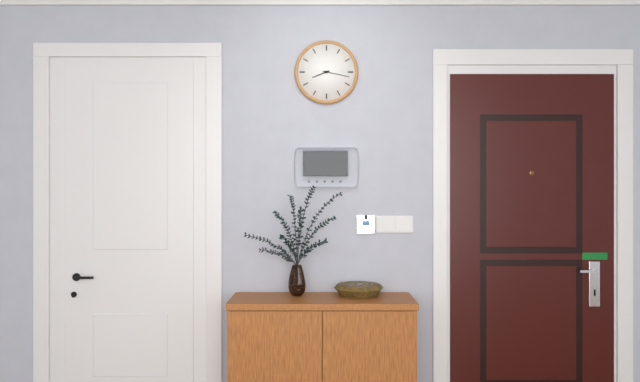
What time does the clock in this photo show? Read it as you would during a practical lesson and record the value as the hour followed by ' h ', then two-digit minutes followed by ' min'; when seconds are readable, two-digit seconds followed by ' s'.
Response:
8 h 17 min
